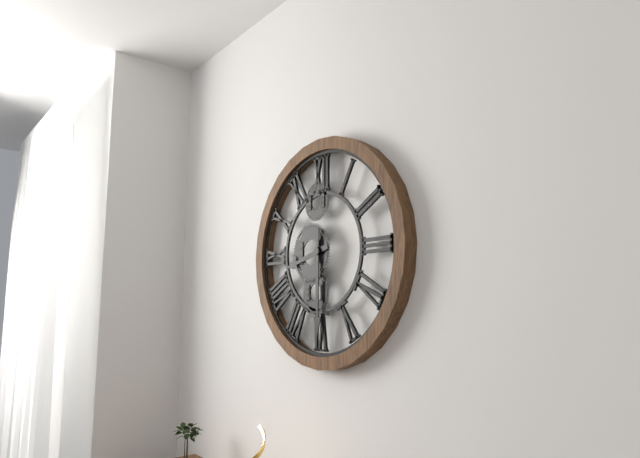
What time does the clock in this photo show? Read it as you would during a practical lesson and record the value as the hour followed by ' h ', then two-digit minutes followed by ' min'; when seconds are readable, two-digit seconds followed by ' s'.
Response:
8 h 30 min
